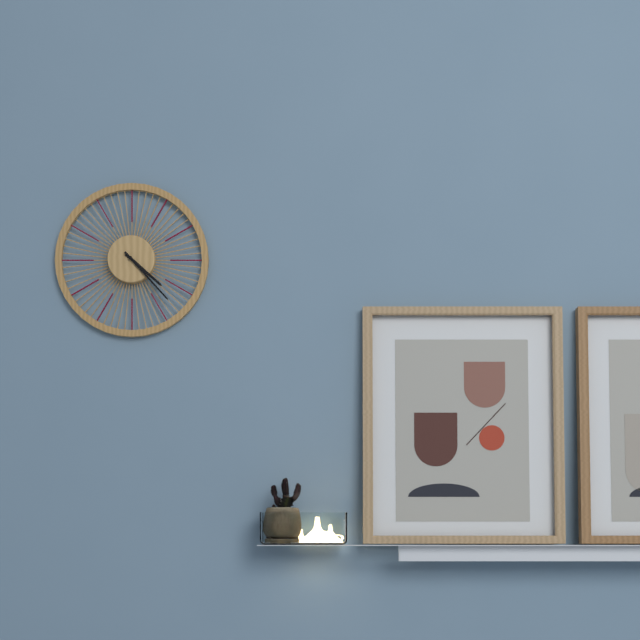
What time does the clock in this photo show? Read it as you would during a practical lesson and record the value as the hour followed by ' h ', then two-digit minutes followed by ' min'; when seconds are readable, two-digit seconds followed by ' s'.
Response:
4 h 23 min
